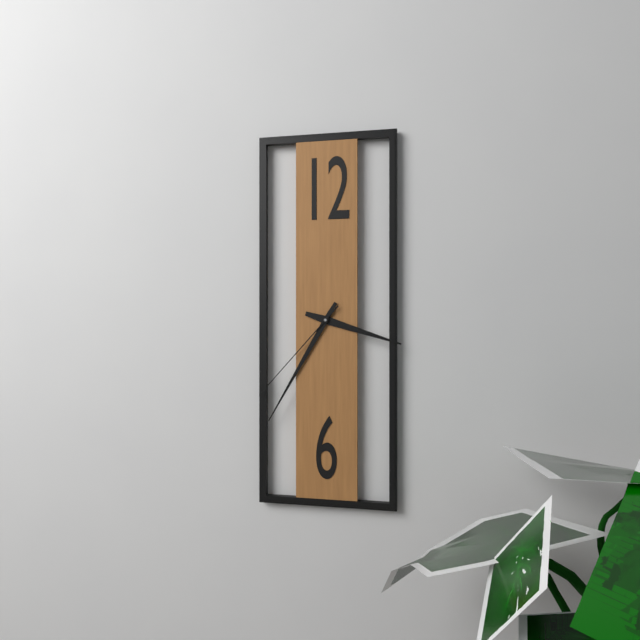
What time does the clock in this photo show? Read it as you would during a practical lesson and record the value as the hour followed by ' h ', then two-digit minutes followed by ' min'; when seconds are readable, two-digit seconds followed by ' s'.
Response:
3 h 35 min 37 s
